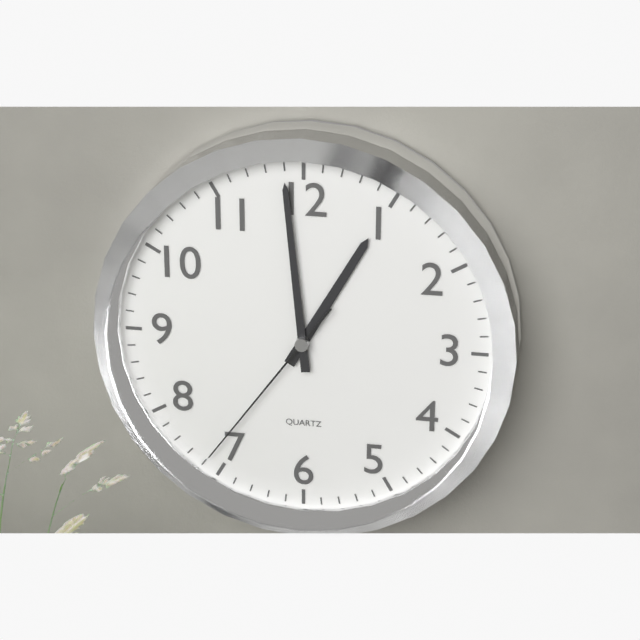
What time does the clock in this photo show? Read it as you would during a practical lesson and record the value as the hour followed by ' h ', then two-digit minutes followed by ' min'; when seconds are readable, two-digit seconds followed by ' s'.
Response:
12 h 59 min 36 s
